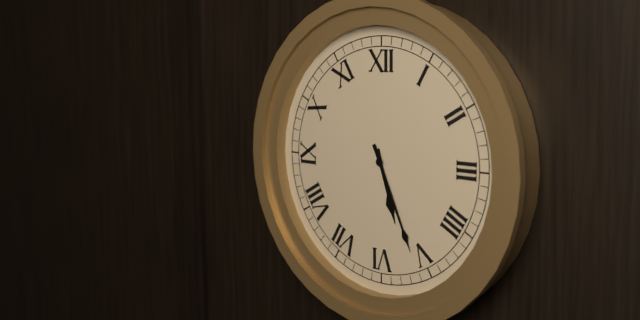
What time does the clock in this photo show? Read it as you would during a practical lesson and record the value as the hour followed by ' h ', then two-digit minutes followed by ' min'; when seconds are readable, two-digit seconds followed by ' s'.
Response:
5 h 26 min
